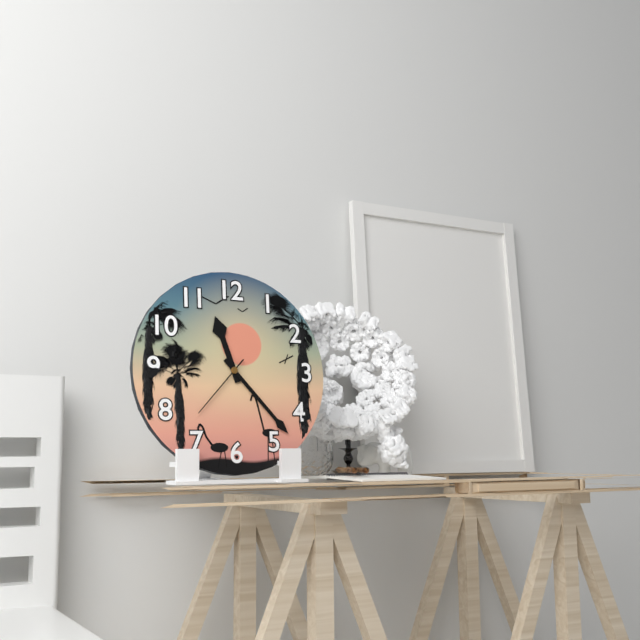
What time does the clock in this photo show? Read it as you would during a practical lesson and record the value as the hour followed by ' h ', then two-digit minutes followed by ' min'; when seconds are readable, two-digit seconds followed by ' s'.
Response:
11 h 23 min 37 s
